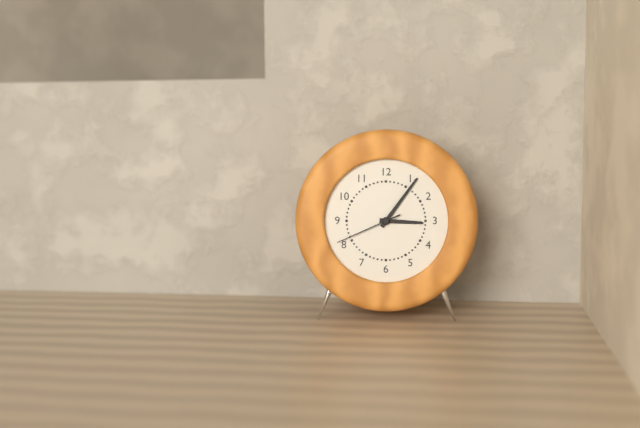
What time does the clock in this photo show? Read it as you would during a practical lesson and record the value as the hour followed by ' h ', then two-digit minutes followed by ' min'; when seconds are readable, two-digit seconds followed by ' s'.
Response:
3 h 06 min 41 s
